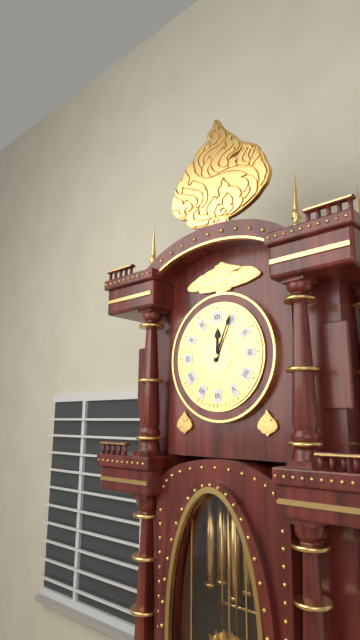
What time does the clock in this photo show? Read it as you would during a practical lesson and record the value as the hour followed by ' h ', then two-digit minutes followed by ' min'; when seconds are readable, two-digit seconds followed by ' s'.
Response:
12 h 04 min
